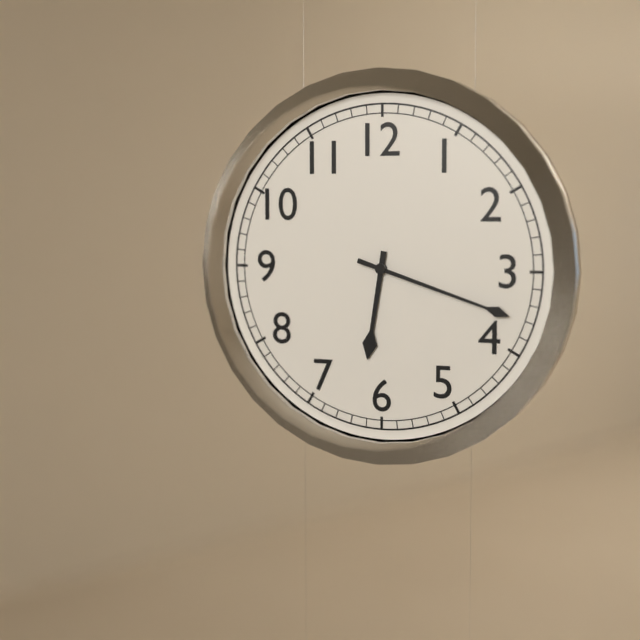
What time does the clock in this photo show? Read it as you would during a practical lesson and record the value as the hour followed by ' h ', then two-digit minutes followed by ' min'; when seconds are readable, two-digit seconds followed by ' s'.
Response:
6 h 18 min
